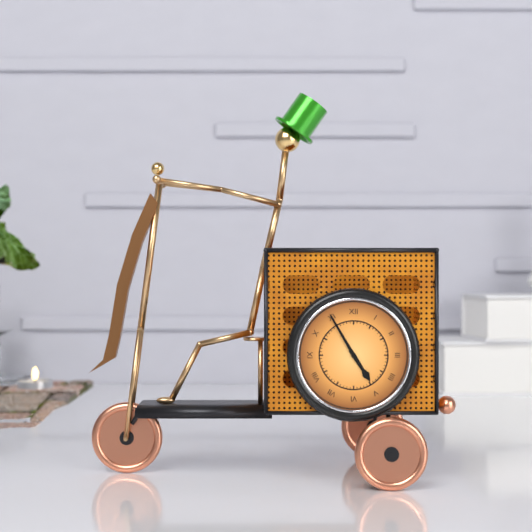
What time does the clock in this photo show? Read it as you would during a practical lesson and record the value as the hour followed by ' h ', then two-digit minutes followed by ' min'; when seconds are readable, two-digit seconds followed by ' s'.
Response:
4 h 55 min
